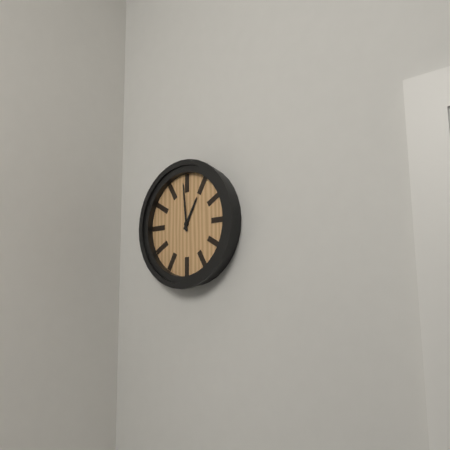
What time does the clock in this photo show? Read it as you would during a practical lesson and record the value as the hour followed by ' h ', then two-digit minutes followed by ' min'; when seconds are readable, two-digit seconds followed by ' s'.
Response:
12 h 59 min
